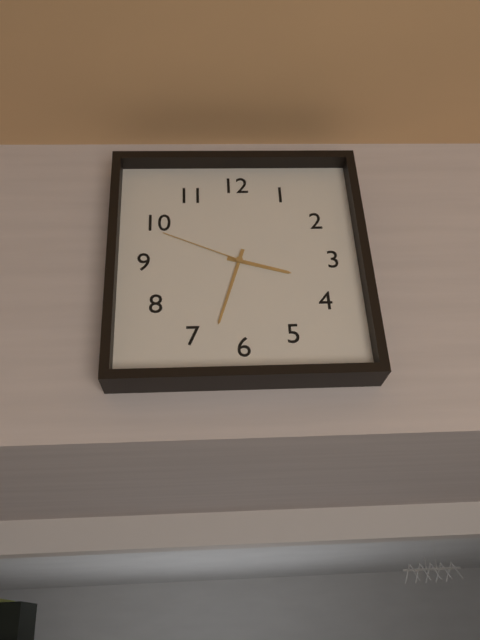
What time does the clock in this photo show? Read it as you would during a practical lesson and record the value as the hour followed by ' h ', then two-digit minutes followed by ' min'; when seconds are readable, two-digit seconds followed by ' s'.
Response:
3 h 33 min 49 s
